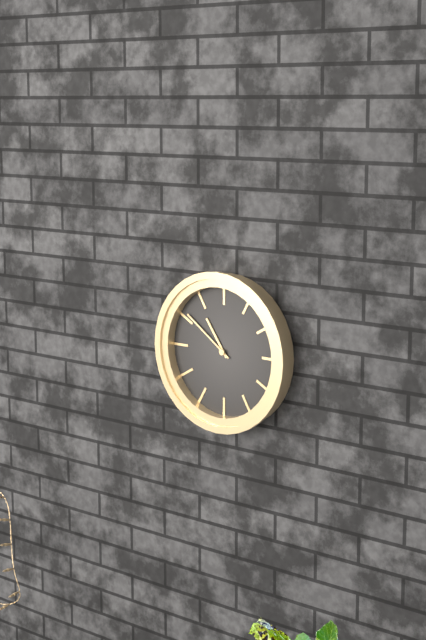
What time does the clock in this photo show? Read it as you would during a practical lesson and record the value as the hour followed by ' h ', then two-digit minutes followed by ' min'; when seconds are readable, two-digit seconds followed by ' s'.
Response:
10 h 51 min
